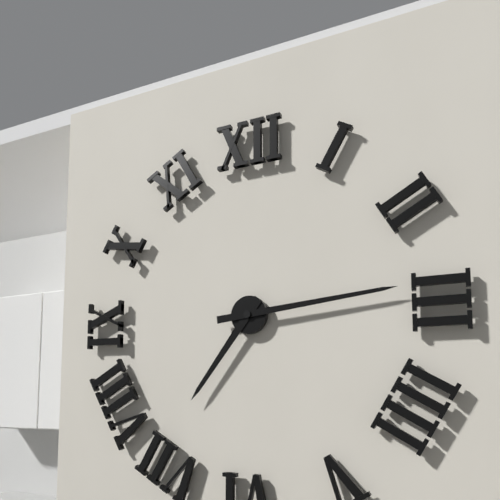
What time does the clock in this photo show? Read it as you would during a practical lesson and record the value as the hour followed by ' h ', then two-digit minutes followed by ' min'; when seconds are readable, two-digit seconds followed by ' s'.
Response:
7 h 14 min
